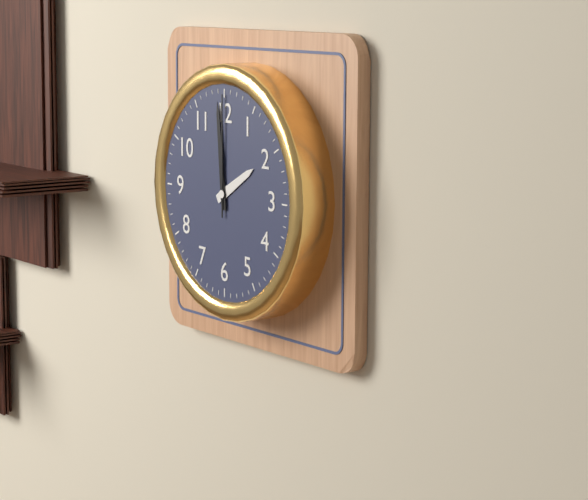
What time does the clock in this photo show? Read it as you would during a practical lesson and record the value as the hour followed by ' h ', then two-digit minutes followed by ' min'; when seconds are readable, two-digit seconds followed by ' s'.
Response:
1 h 59 min 00 s
